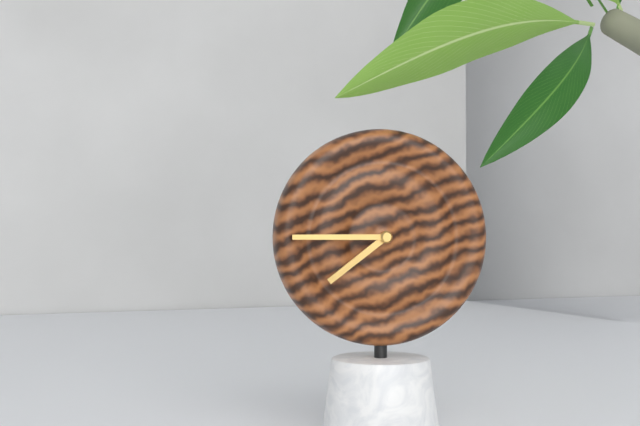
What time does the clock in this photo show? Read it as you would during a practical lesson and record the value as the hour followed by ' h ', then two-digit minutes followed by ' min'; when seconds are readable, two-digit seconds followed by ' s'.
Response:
7 h 45 min
